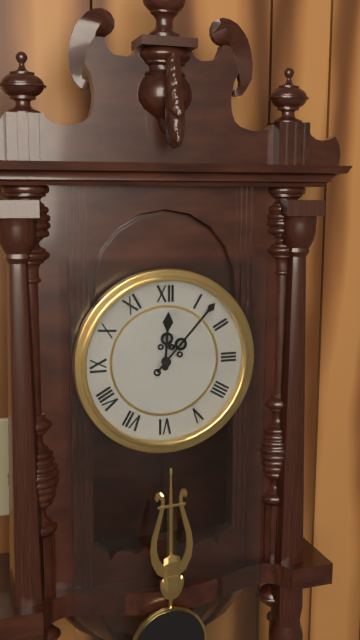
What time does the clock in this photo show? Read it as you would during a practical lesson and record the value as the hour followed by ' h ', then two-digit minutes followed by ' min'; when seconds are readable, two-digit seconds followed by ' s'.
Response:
12 h 07 min
